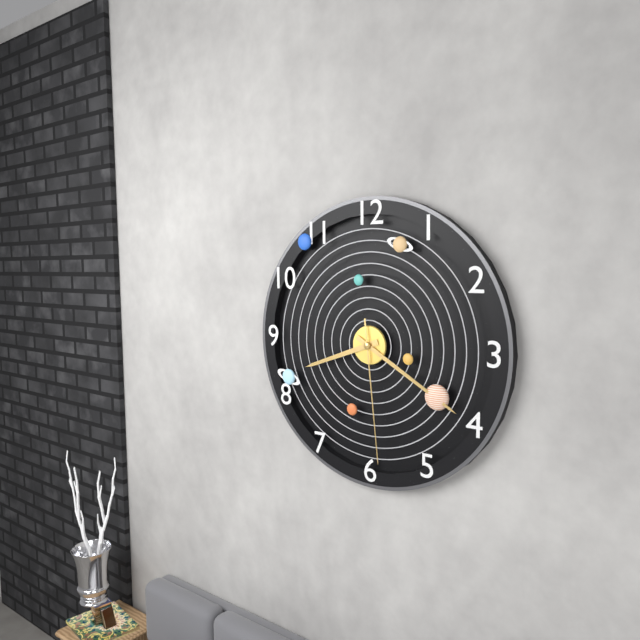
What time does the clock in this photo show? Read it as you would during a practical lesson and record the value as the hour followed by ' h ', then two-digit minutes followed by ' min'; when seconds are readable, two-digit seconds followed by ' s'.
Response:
8 h 20 min 29 s
